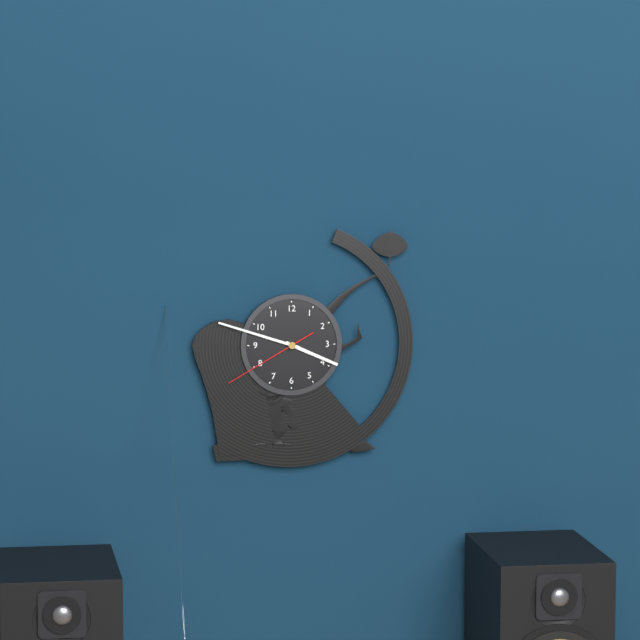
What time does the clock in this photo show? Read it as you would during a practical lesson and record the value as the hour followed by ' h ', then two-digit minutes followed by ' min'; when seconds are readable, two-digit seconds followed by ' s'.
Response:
3 h 48 min 40 s
